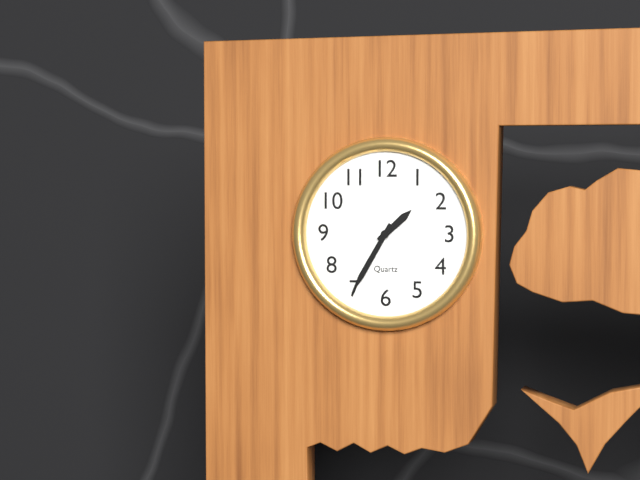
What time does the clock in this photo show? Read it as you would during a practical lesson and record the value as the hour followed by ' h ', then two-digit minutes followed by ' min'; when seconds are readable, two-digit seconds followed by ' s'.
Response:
1 h 35 min
